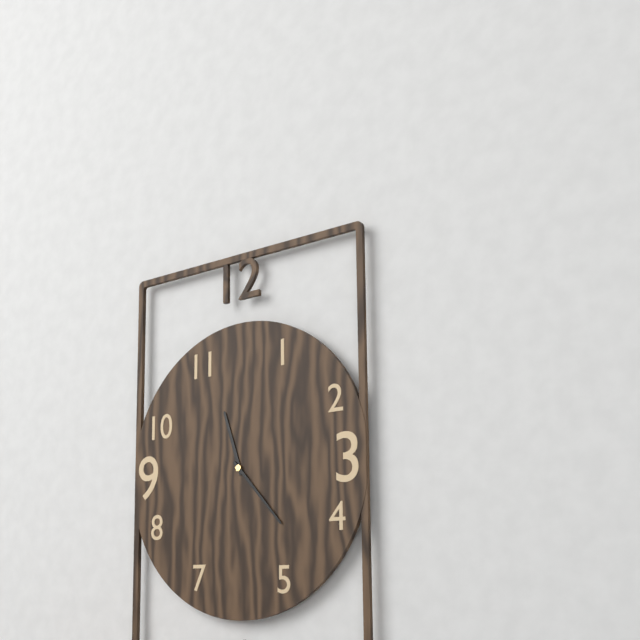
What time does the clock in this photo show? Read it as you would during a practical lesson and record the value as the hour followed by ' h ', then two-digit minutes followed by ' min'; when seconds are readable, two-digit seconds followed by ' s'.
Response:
11 h 23 min
